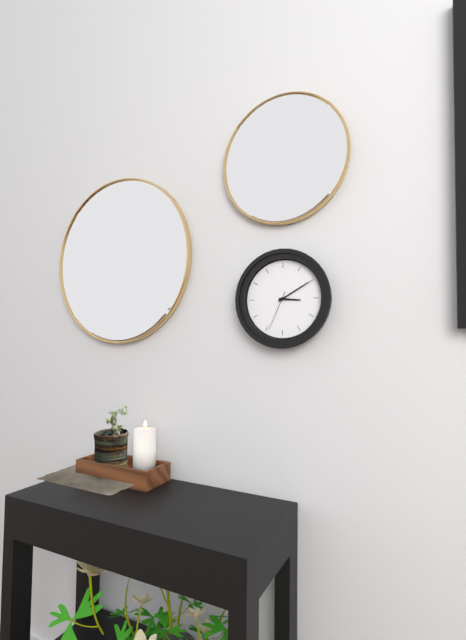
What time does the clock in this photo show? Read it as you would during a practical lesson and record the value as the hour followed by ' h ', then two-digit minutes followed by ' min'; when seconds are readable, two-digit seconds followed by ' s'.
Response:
3 h 10 min
